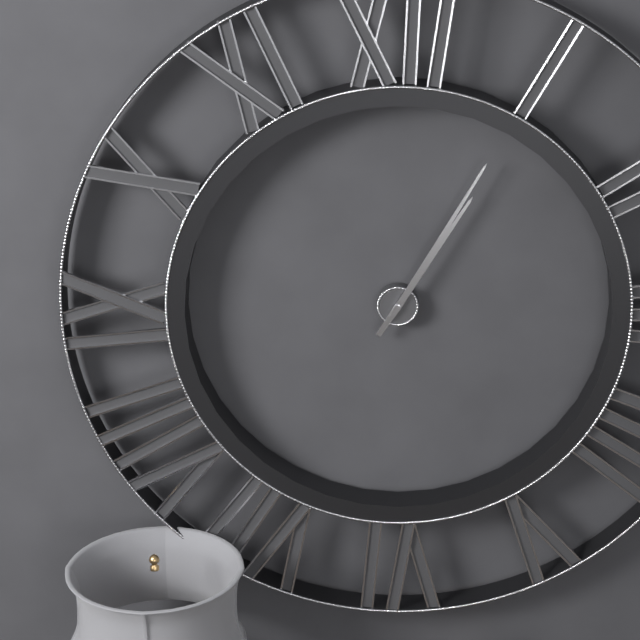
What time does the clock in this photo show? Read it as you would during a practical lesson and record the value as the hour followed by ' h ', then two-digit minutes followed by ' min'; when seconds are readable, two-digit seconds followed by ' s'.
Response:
1 h 05 min
